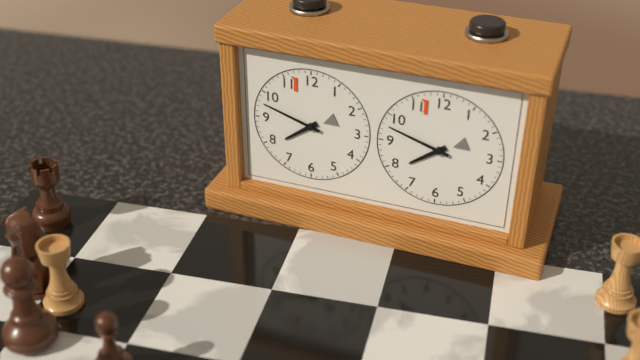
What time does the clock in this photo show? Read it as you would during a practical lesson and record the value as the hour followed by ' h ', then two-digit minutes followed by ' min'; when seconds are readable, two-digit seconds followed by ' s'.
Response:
7 h 48 min
